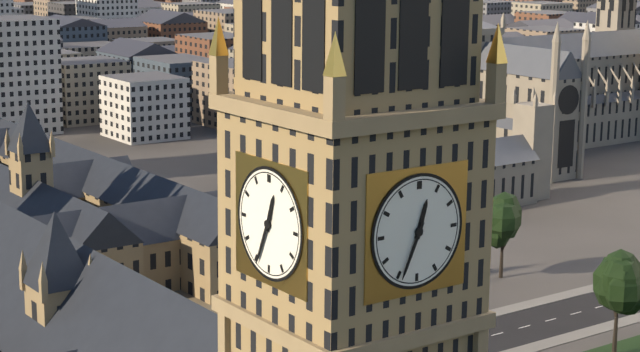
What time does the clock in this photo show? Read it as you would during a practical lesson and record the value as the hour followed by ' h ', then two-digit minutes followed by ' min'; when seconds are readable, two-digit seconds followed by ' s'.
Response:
12 h 34 min
